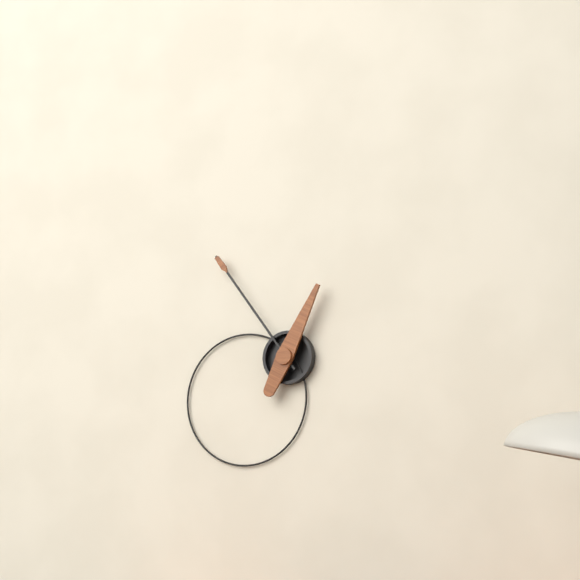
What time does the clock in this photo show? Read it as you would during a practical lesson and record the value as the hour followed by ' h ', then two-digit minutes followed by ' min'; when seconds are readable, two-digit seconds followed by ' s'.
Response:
12 h 54 min
